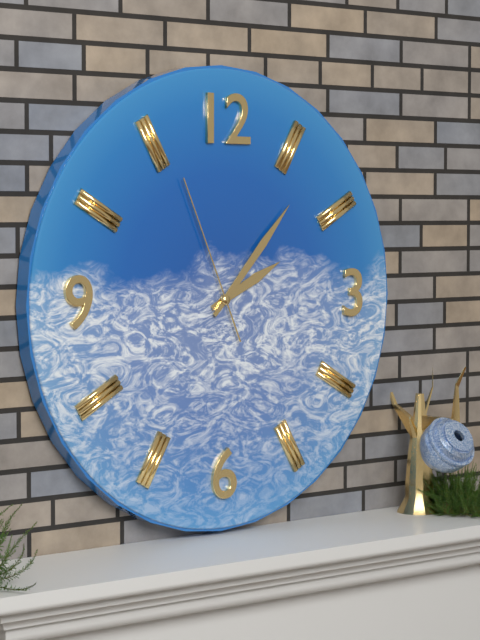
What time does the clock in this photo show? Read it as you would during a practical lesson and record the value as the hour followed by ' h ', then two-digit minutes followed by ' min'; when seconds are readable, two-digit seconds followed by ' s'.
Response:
2 h 07 min 56 s
